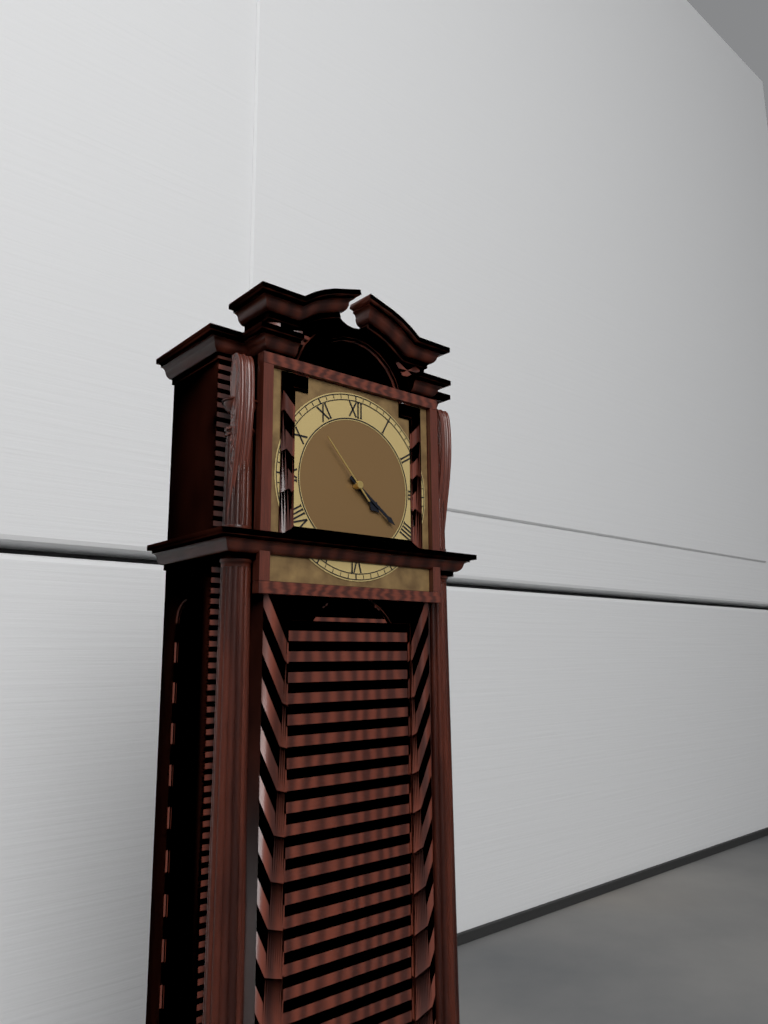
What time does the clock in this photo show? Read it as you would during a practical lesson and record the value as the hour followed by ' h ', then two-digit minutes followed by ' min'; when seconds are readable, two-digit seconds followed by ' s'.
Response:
4 h 21 min 53 s
